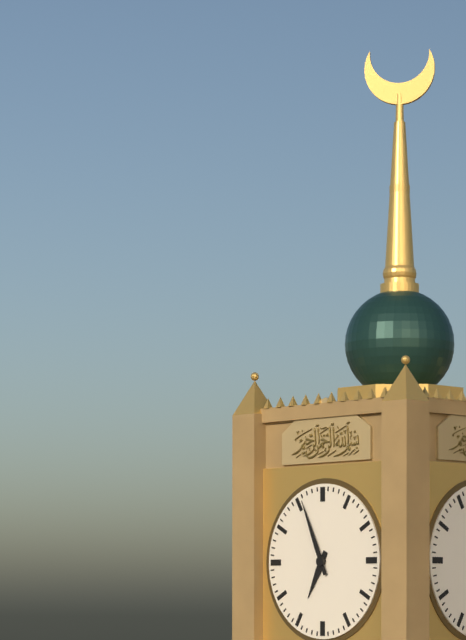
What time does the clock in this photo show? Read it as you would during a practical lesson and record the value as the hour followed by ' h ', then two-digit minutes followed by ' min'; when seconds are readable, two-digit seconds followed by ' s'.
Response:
6 h 56 min
